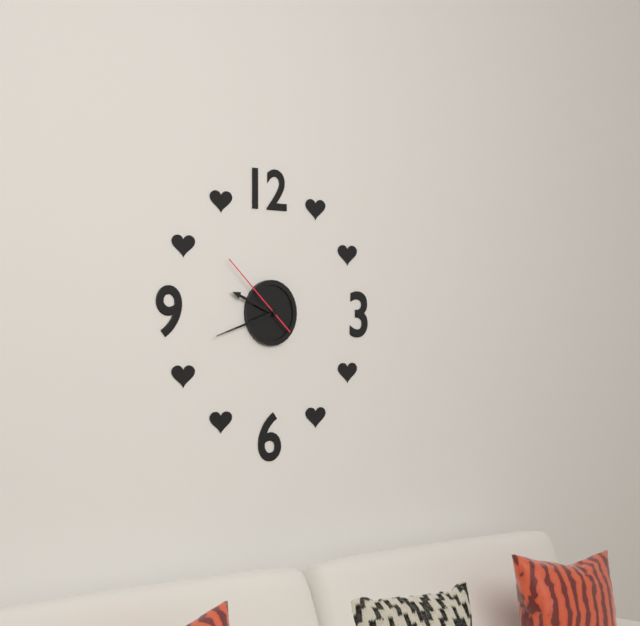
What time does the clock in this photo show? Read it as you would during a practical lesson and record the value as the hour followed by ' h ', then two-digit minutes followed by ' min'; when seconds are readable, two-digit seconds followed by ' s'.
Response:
9 h 42 min 52 s
